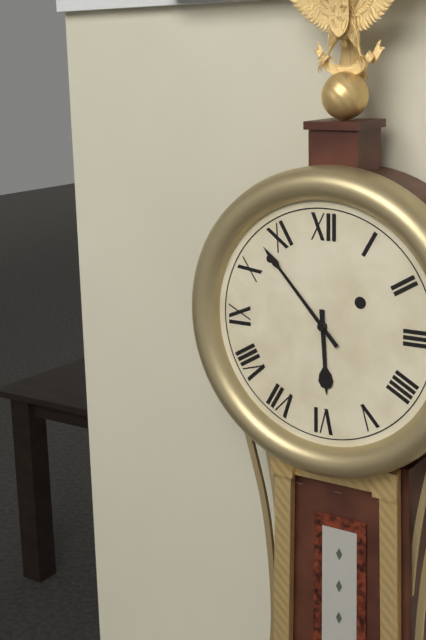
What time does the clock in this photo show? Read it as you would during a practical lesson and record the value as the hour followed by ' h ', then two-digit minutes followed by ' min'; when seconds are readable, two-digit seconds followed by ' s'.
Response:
5 h 53 min
